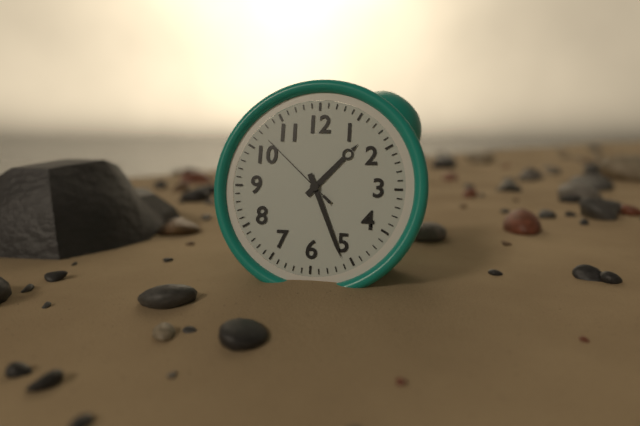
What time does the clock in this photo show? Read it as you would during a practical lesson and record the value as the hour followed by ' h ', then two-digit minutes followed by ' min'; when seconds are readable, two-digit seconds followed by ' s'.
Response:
1 h 26 min 52 s
